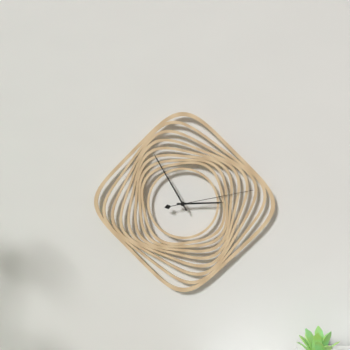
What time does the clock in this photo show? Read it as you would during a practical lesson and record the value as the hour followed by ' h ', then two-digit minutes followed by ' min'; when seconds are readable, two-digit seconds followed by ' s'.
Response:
2 h 55 min 13 s
